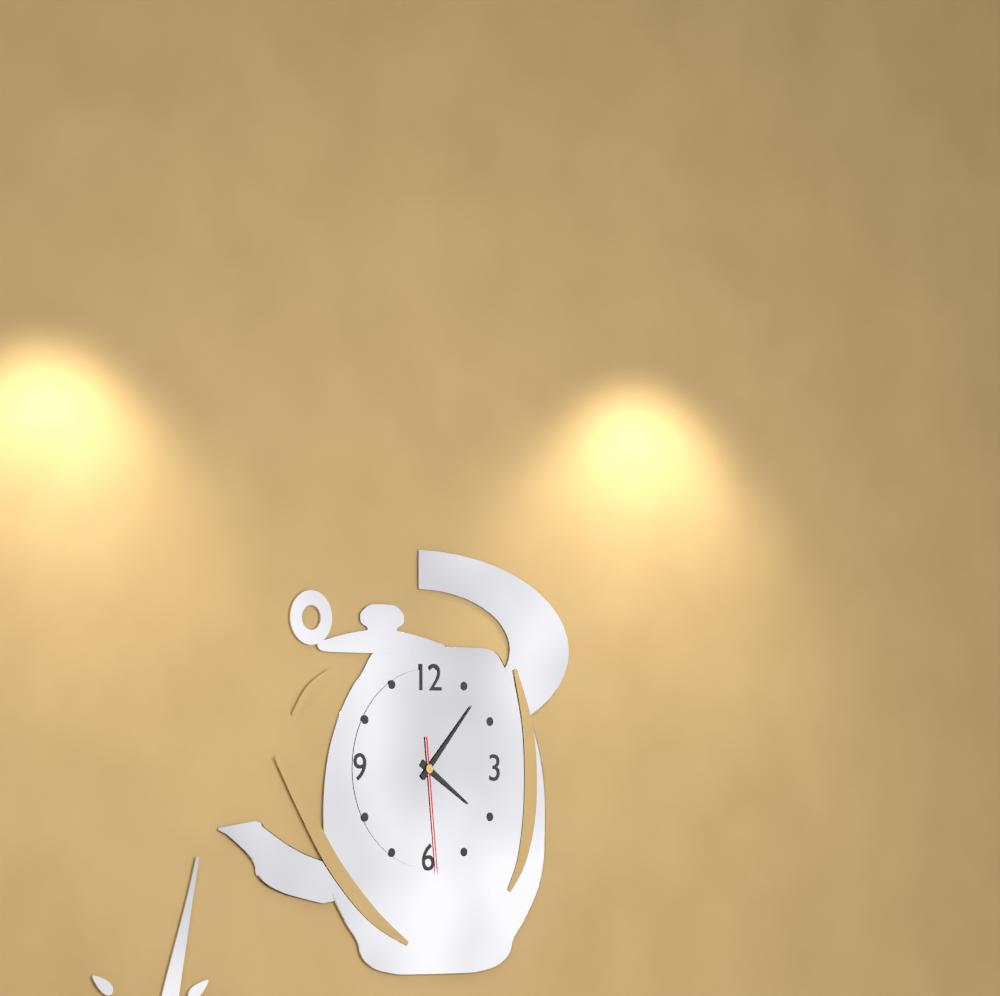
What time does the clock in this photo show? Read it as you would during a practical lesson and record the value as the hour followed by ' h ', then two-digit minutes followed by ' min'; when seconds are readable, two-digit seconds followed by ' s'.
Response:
4 h 07 min 29 s
